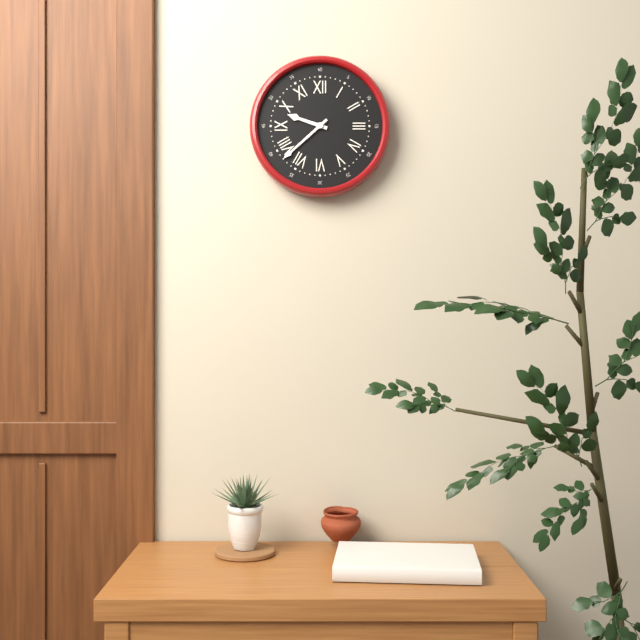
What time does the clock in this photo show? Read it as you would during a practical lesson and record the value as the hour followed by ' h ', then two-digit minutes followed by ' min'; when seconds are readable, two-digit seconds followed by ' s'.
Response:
9 h 38 min
